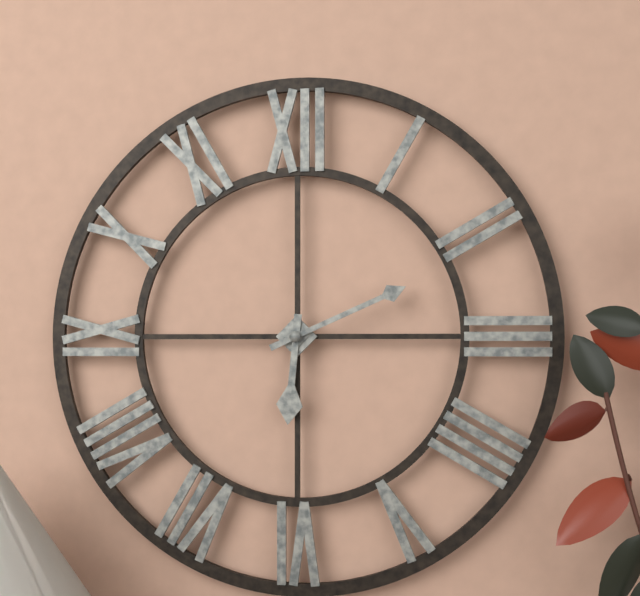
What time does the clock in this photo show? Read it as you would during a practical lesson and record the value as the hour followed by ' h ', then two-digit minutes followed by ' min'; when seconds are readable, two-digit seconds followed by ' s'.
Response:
6 h 11 min
